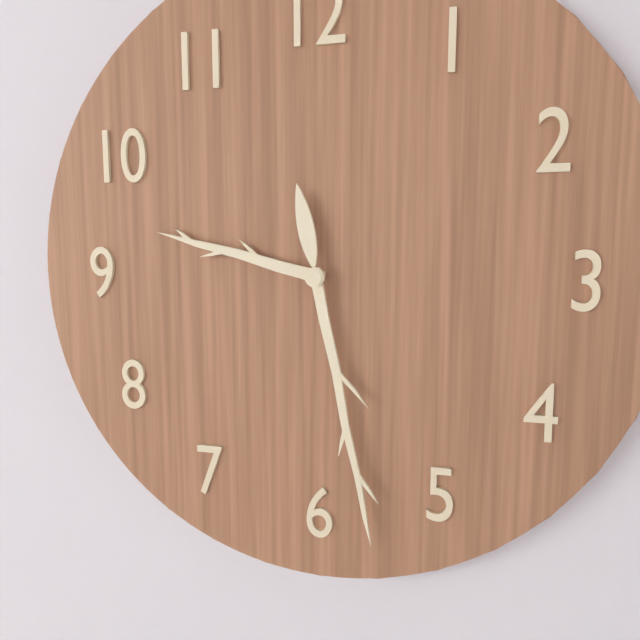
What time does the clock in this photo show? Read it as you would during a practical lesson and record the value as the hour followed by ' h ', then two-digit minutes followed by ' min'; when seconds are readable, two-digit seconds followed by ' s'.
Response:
9 h 28 min
